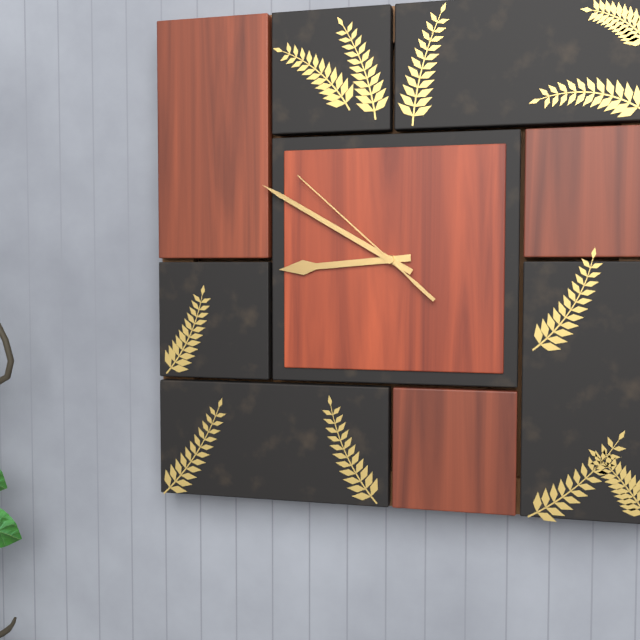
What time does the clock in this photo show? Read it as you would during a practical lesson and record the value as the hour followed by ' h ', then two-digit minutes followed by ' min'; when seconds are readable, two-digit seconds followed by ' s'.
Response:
8 h 50 min 52 s
